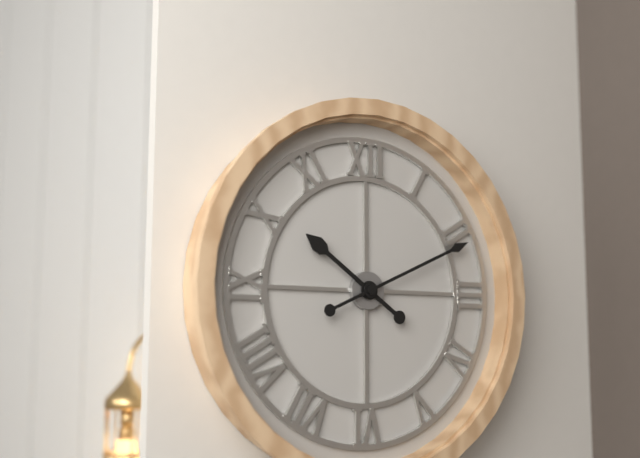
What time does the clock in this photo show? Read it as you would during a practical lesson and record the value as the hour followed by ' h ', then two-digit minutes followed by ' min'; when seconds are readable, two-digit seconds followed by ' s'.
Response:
10 h 11 min
